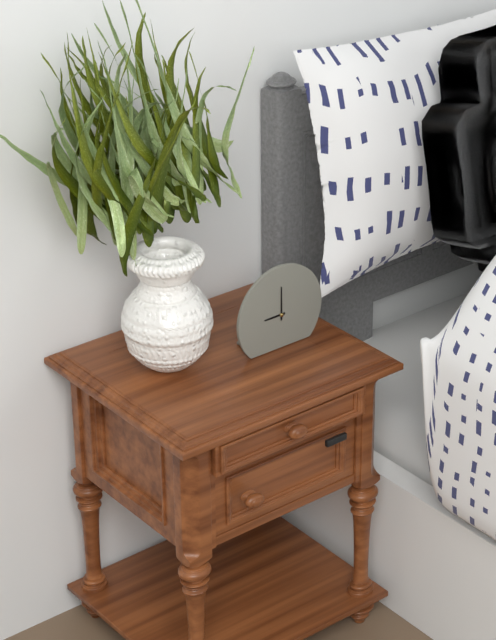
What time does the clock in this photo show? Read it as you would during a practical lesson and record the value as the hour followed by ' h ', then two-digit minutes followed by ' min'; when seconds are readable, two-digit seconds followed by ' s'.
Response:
9 h 00 min
